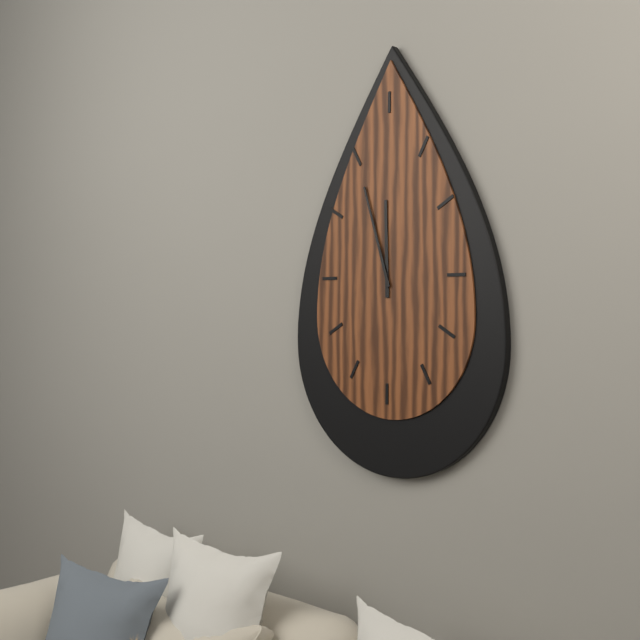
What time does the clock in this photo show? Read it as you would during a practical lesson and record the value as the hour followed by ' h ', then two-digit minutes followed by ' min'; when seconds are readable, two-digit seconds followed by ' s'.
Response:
11 h 57 min
